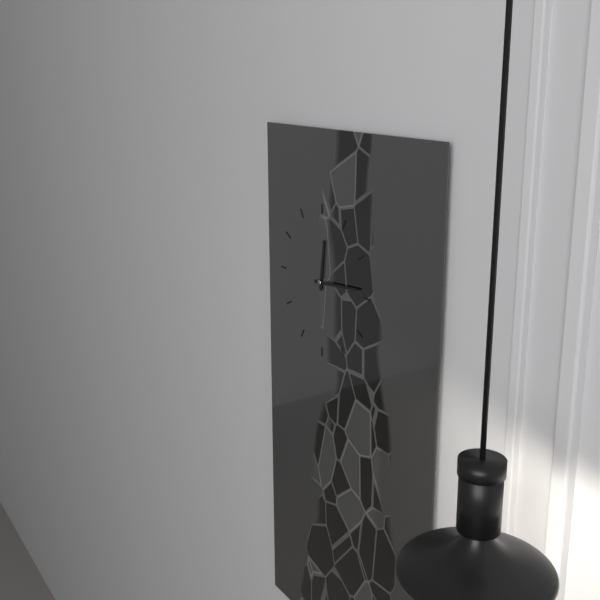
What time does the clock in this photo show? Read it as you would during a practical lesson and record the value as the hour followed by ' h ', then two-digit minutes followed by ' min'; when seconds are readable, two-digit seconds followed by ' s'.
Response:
12 h 14 min
